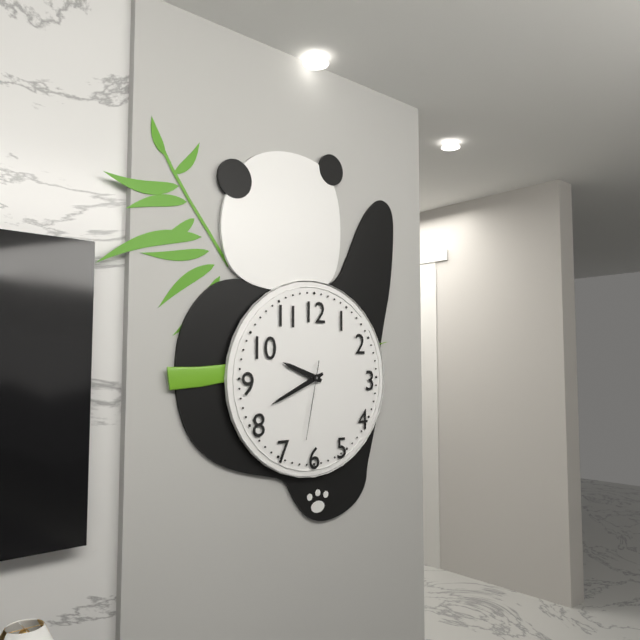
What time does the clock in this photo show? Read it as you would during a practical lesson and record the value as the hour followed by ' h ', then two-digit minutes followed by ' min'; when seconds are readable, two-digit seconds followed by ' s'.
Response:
9 h 41 min 32 s
